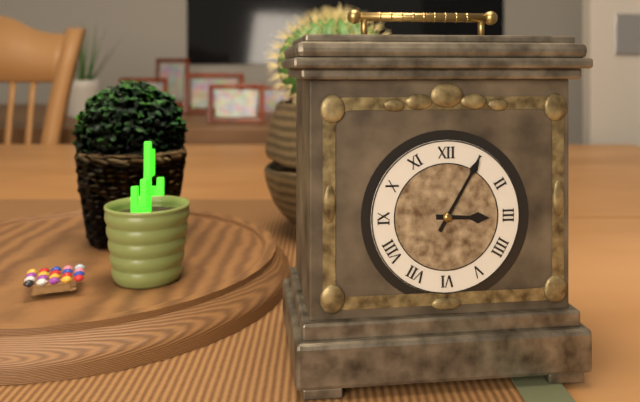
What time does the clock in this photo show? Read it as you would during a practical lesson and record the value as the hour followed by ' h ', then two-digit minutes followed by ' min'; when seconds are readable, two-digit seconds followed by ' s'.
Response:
3 h 05 min
